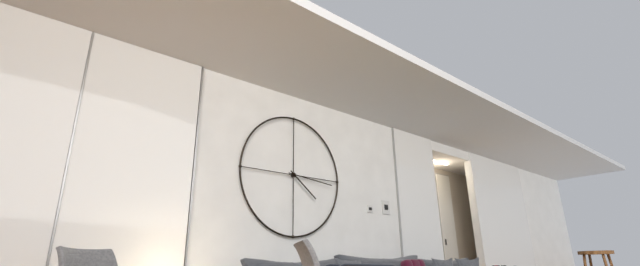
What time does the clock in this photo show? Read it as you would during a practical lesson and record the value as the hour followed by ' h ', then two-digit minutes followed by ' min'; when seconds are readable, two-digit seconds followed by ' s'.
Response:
4 h 16 min
